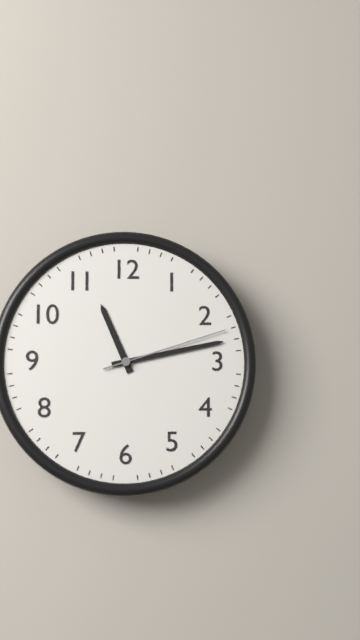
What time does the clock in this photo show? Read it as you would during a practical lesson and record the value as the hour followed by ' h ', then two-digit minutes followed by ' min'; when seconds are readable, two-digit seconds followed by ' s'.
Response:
11 h 13 min 12 s
